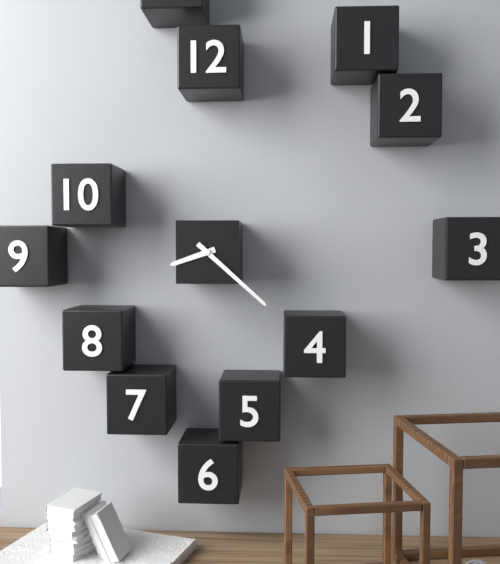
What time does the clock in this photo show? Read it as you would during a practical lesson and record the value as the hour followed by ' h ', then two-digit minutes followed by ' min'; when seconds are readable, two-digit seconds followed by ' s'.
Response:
8 h 22 min
